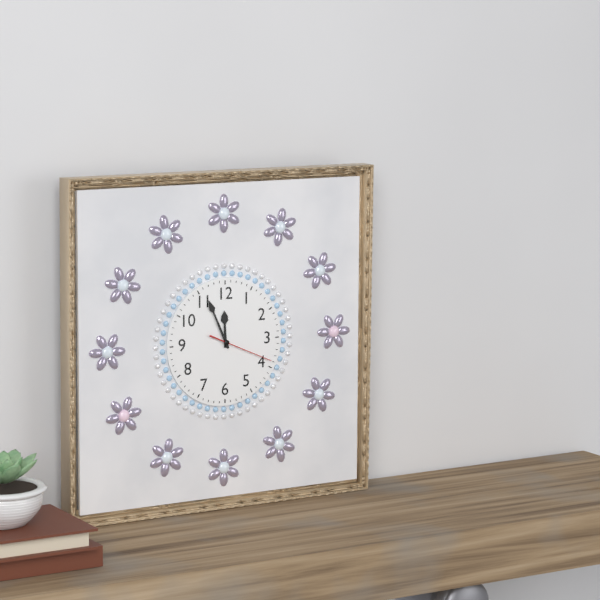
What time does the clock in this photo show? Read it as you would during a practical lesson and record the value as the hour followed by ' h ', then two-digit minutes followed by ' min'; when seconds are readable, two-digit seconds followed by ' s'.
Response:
11 h 56 min 19 s
